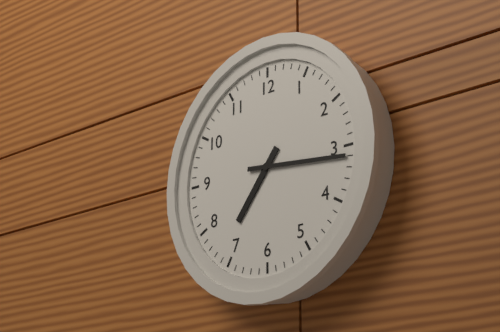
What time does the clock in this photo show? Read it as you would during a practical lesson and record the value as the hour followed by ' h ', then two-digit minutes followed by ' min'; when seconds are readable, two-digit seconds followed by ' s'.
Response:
7 h 16 min
